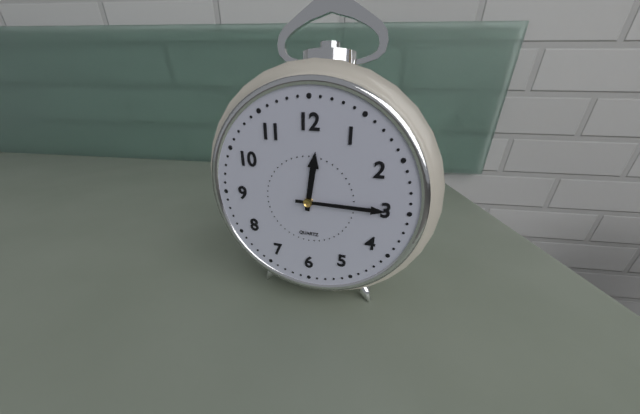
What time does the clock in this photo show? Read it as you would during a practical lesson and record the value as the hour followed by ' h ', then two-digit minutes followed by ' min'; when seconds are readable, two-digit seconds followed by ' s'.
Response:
12 h 15 min
